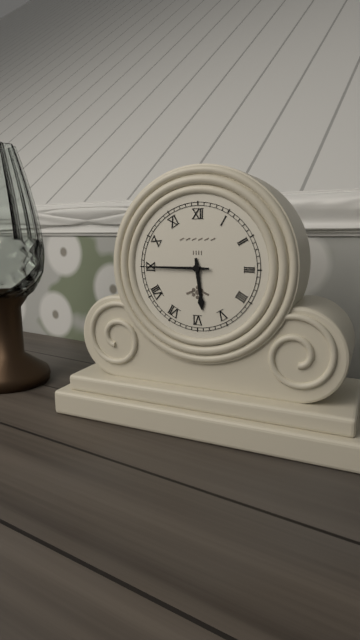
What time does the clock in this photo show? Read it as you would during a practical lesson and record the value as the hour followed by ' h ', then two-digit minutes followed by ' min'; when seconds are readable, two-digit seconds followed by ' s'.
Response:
5 h 45 min
